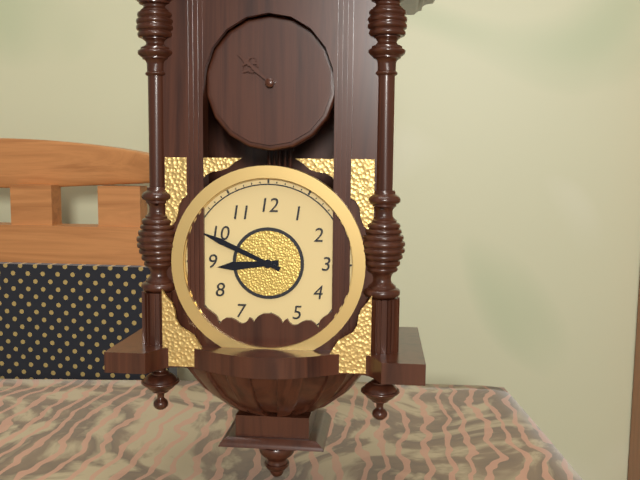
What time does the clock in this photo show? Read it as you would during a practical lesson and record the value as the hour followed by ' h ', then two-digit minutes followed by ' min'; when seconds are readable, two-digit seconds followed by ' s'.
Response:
8 h 49 min
